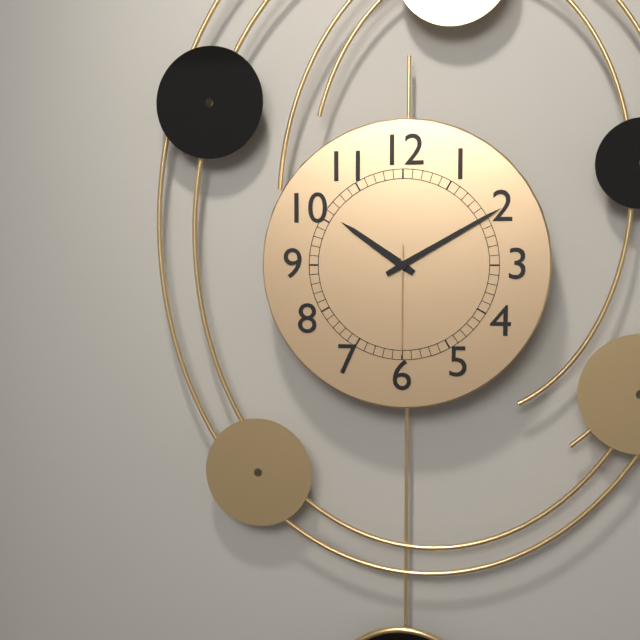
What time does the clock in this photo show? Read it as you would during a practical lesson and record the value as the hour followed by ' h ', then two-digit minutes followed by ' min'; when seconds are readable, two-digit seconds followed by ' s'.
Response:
10 h 10 min 30 s
